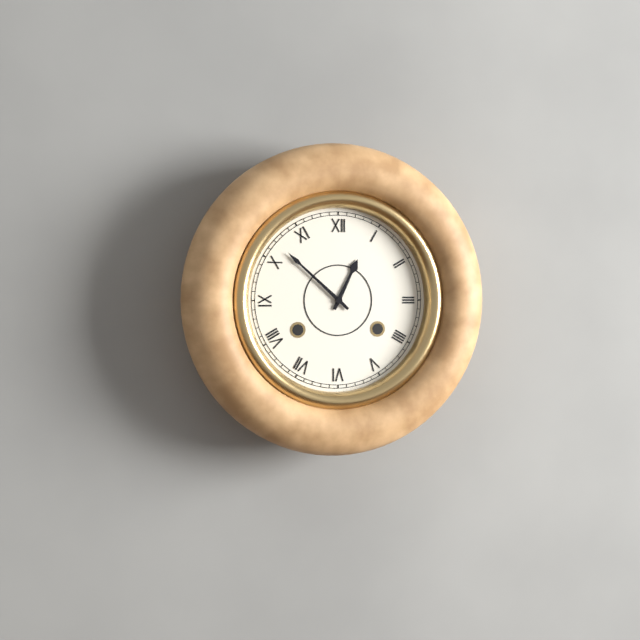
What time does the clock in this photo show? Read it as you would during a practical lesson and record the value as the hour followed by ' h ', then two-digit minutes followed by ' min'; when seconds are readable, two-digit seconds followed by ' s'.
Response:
12 h 52 min
